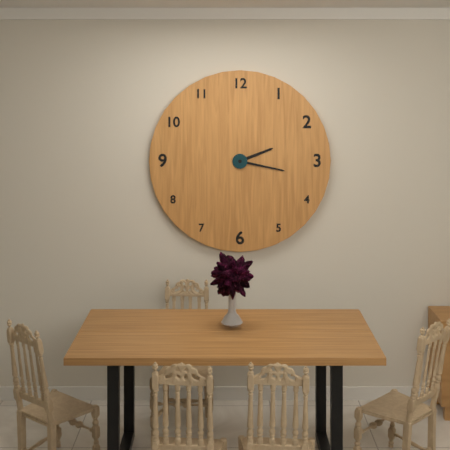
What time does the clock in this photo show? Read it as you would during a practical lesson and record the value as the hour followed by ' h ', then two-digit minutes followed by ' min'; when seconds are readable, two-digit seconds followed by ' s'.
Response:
2 h 17 min
